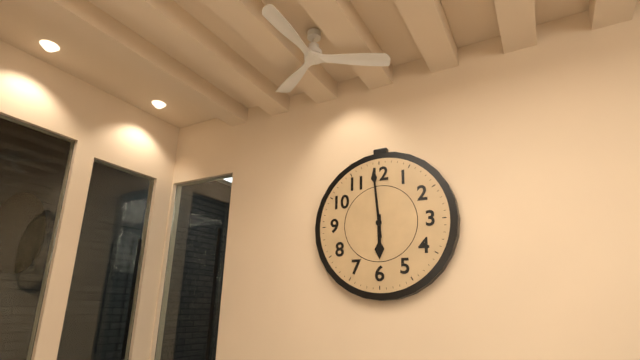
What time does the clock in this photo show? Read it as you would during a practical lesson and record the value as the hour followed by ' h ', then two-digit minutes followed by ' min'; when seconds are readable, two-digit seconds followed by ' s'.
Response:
5 h 59 min
